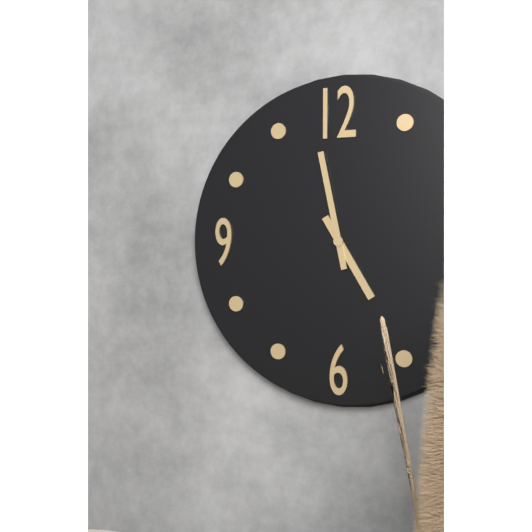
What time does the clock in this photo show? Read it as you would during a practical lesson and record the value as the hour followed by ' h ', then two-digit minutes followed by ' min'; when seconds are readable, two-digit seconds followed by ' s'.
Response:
4 h 58 min
